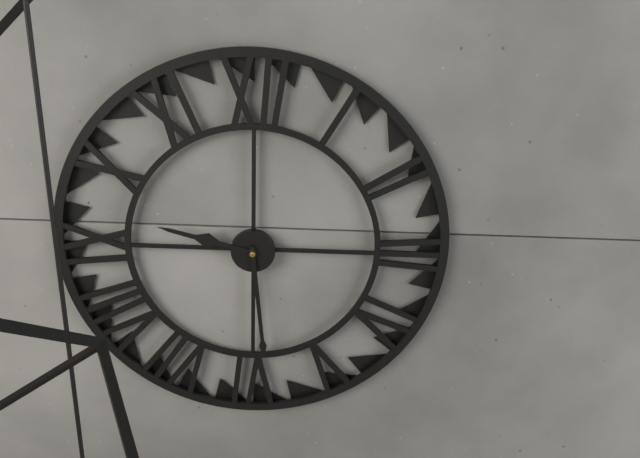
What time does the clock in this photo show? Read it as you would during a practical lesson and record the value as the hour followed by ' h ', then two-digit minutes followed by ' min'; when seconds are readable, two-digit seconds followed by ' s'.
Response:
9 h 29 min
